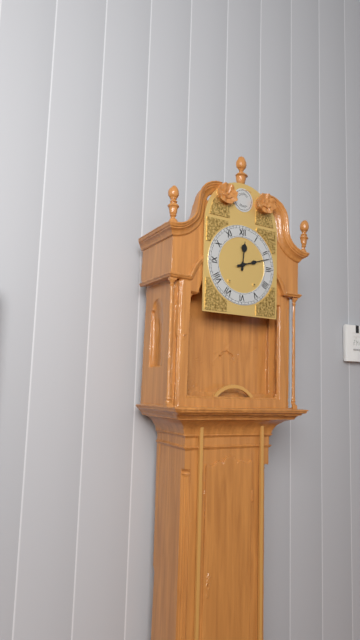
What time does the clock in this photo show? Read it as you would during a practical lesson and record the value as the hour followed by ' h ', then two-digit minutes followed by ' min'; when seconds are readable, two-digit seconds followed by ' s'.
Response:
12 h 12 min
